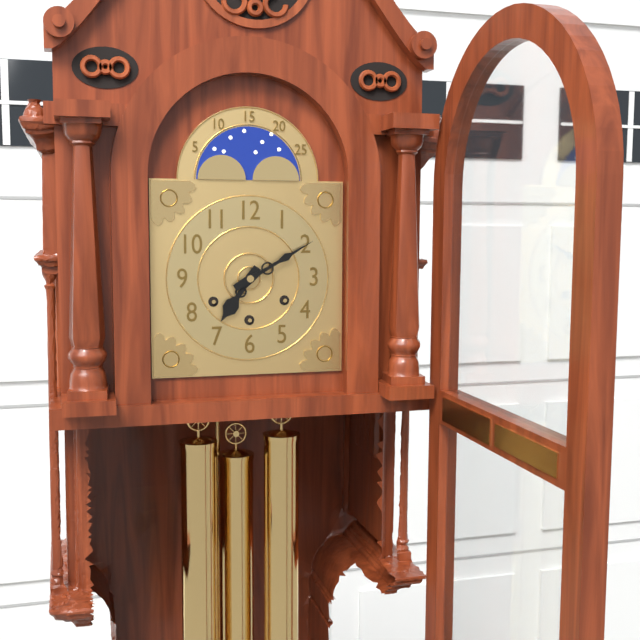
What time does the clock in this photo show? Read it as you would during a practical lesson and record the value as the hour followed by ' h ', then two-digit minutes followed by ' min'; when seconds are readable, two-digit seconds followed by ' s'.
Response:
7 h 10 min
